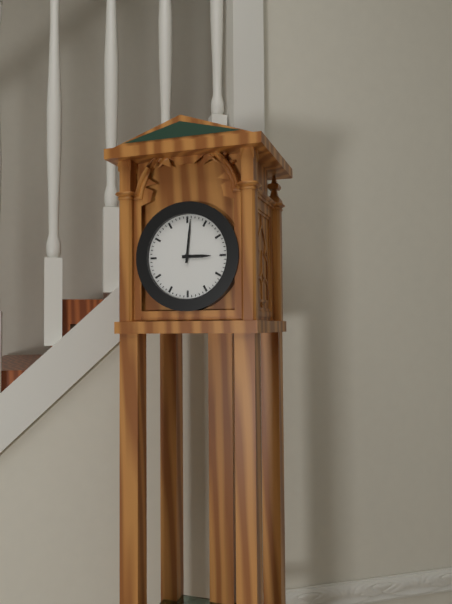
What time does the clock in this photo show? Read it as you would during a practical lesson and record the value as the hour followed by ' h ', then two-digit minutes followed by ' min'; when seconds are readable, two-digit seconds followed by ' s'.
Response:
3 h 01 min
